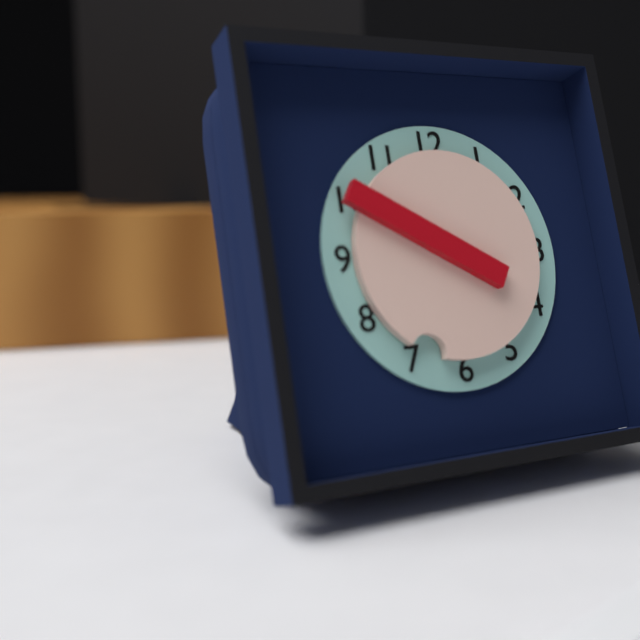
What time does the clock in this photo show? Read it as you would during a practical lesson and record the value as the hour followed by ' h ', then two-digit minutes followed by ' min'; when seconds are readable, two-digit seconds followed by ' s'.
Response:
6 h 50 min
